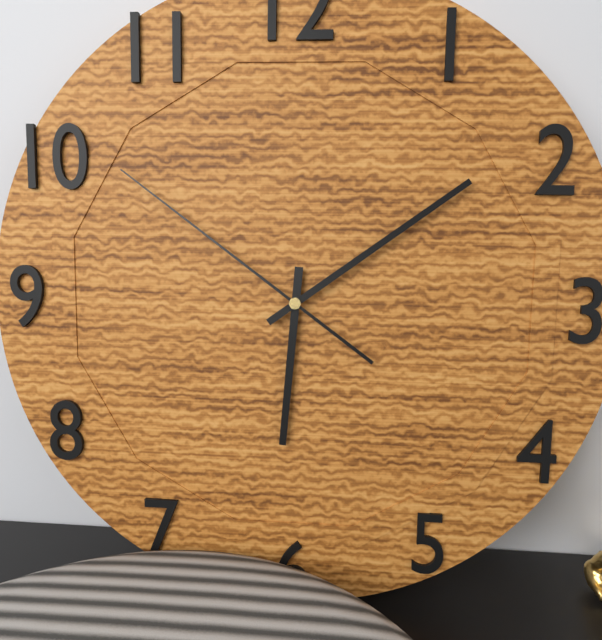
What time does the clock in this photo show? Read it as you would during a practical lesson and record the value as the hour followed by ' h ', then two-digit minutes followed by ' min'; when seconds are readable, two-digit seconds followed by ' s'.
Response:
6 h 09 min 51 s
